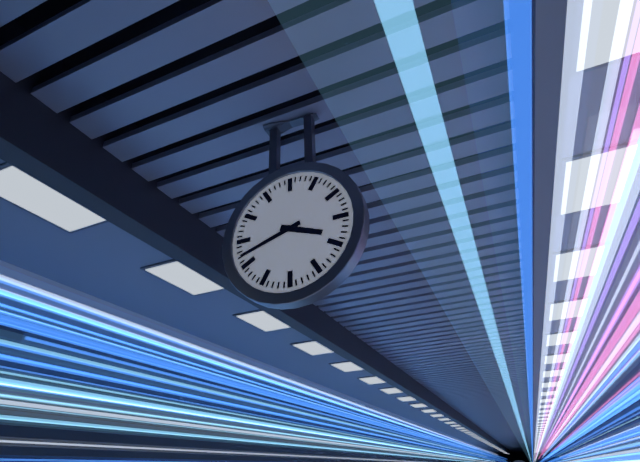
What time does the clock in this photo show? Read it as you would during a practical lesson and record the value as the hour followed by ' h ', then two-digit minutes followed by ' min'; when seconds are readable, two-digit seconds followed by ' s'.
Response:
3 h 42 min
